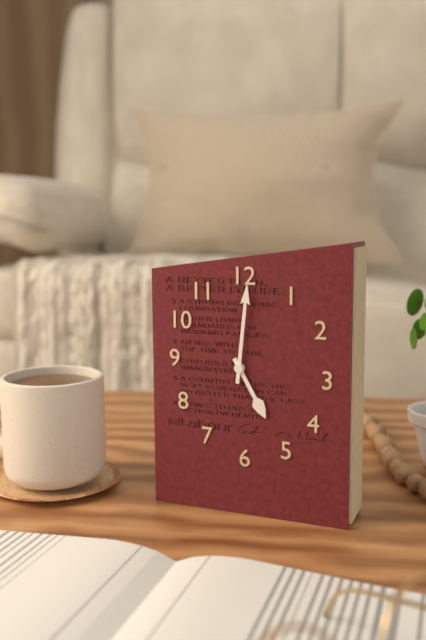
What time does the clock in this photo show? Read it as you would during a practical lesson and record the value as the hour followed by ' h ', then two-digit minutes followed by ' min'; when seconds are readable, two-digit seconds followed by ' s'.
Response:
5 h 01 min
